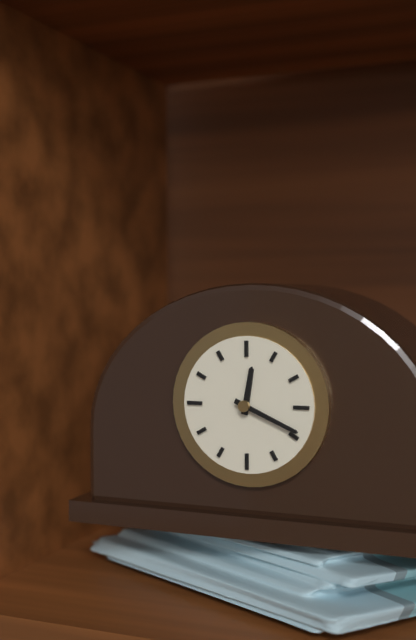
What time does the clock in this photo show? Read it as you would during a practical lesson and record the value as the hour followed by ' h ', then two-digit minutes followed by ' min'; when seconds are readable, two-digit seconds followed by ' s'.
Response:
12 h 19 min
